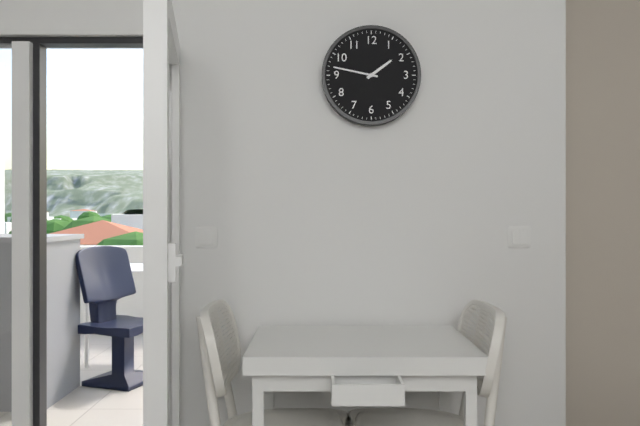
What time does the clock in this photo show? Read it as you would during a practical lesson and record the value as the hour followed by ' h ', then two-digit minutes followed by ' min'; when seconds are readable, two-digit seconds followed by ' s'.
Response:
1 h 47 min
